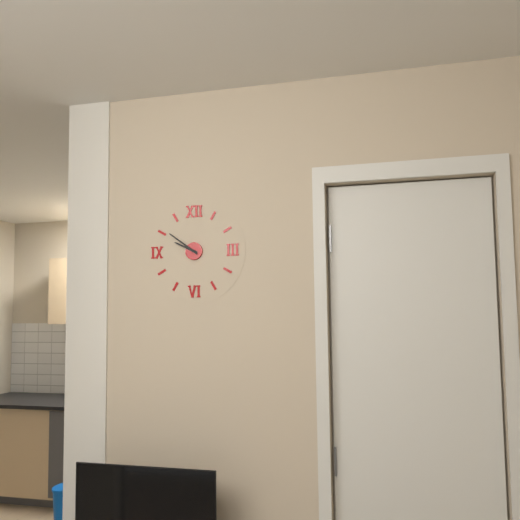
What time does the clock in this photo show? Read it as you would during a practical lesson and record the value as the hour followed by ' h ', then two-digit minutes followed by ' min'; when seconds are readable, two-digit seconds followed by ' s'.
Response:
9 h 51 min
